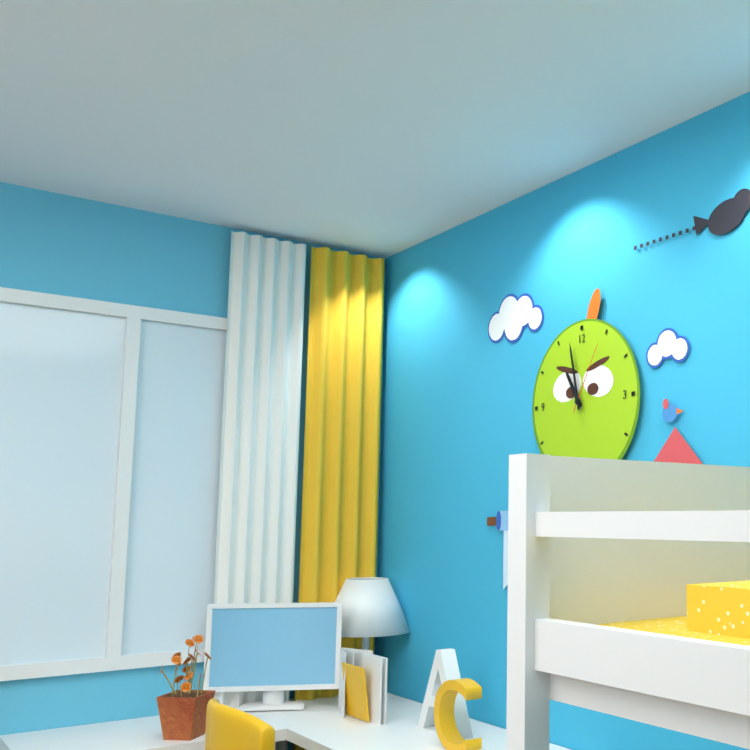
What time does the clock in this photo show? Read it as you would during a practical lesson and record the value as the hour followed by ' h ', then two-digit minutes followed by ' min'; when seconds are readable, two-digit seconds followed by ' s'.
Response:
10 h 58 min 05 s
